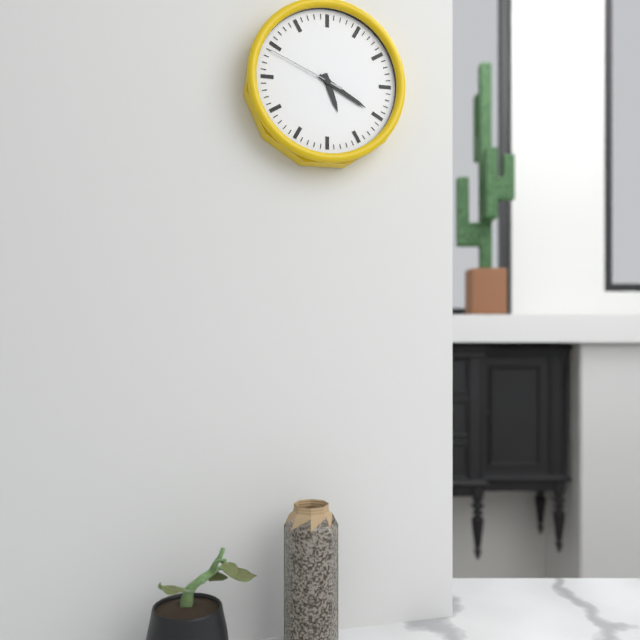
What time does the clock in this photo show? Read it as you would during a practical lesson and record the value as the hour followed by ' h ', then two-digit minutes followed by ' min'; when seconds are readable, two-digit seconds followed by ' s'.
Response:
5 h 20 min 49 s
